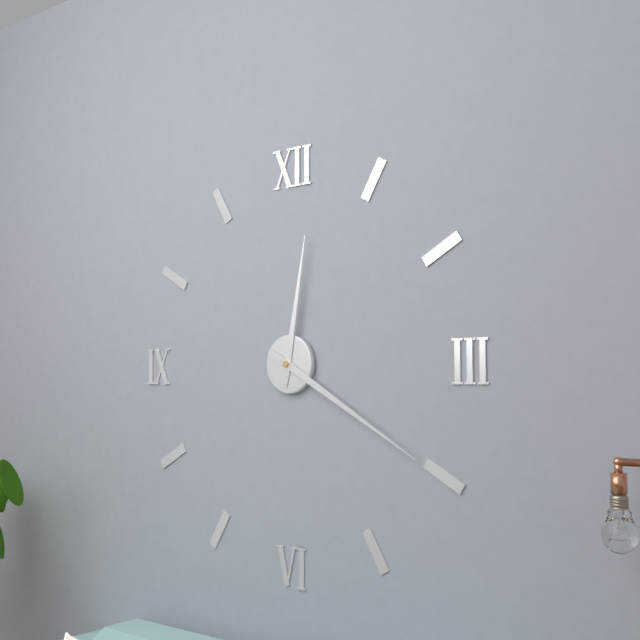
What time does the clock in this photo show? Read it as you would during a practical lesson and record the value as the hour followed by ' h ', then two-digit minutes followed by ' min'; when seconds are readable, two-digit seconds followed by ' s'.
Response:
12 h 20 min
